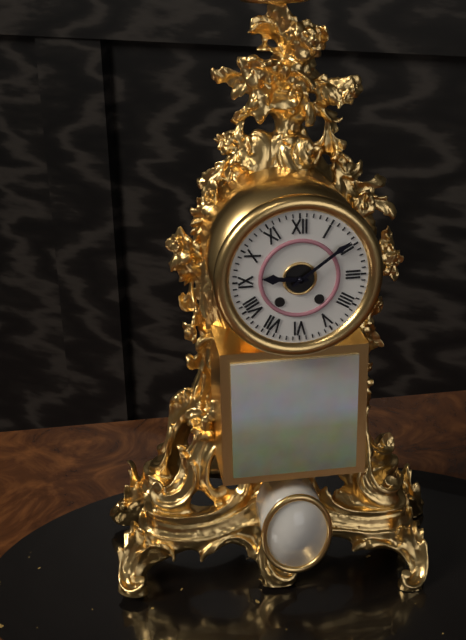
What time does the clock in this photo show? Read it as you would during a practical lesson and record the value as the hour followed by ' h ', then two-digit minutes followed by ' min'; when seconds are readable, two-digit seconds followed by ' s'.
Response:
9 h 09 min
